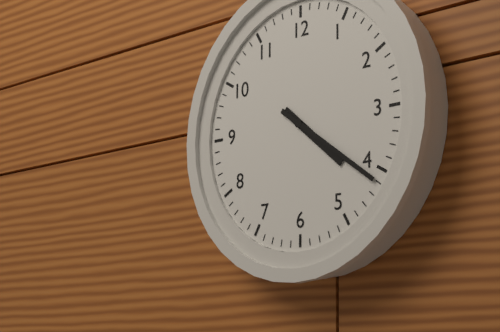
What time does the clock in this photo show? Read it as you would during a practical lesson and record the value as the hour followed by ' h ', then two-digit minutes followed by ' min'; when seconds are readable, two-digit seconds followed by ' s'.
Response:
4 h 21 min
